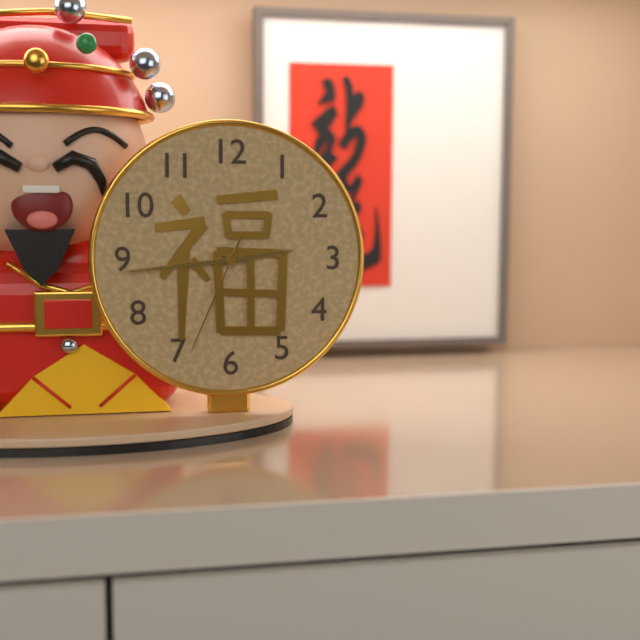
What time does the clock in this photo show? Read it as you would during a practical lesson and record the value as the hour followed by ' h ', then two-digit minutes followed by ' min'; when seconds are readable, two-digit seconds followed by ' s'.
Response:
2 h 44 min 34 s
